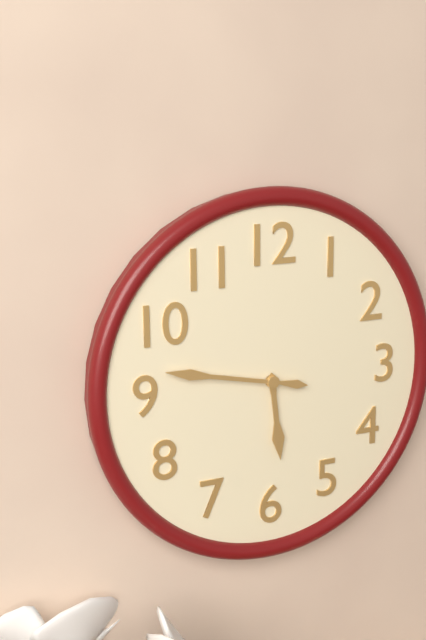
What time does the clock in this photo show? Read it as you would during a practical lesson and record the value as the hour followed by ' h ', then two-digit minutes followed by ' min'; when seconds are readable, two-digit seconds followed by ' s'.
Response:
5 h 47 min
